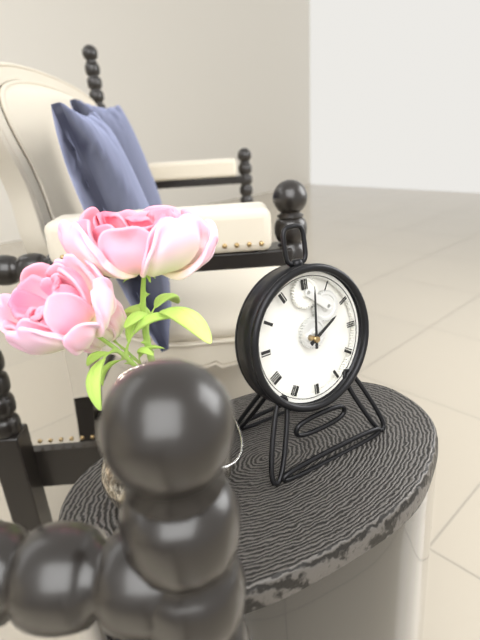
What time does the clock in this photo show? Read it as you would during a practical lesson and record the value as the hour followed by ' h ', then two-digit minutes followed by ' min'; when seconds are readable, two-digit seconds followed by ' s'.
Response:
2 h 01 min
